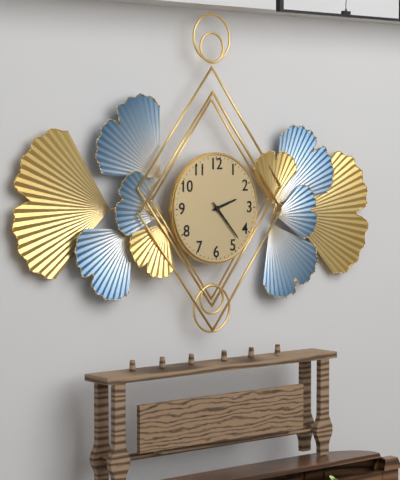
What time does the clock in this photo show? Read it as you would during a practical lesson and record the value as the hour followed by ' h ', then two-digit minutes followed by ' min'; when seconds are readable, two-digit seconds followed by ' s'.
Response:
2 h 23 min
